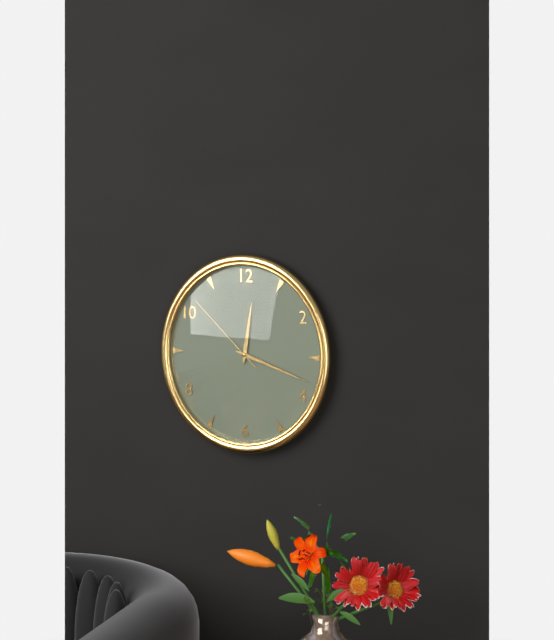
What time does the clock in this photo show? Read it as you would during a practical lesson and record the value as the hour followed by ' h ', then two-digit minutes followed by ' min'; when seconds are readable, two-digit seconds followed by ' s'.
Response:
12 h 18 min 52 s
